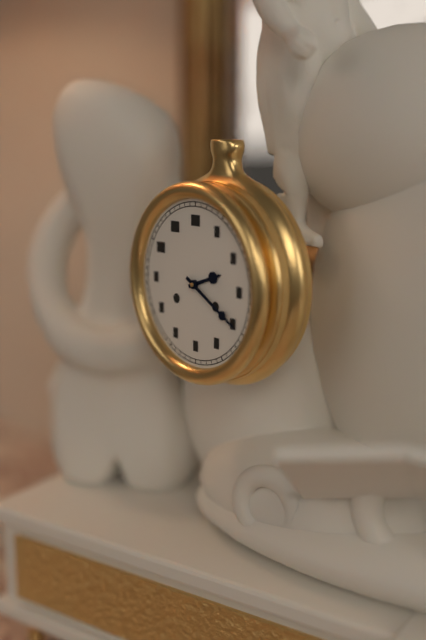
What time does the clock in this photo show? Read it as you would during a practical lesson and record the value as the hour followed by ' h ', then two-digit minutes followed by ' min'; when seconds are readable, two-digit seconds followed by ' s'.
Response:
2 h 20 min
